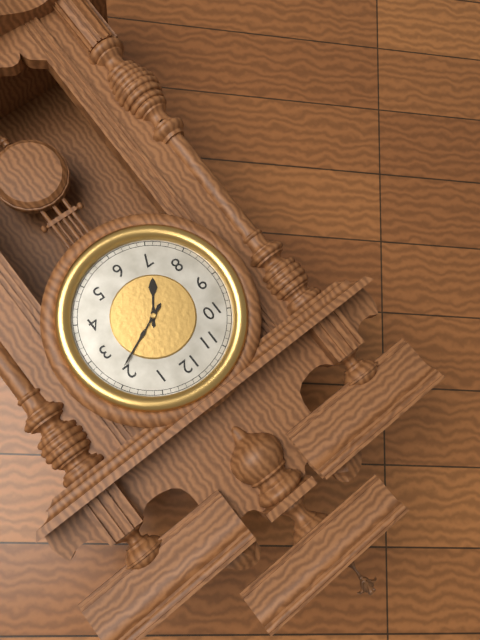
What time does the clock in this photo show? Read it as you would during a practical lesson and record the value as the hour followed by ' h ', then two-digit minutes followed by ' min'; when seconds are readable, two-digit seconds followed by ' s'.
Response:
7 h 11 min
